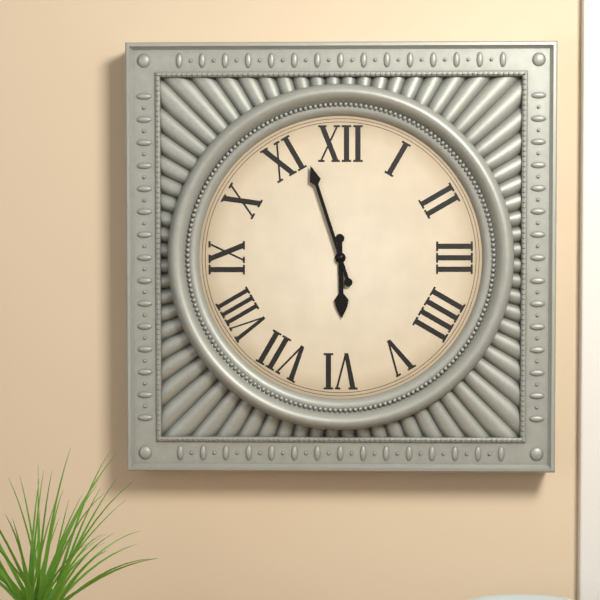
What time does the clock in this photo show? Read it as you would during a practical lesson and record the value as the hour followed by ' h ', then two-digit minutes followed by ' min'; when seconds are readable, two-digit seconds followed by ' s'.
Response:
5 h 57 min
